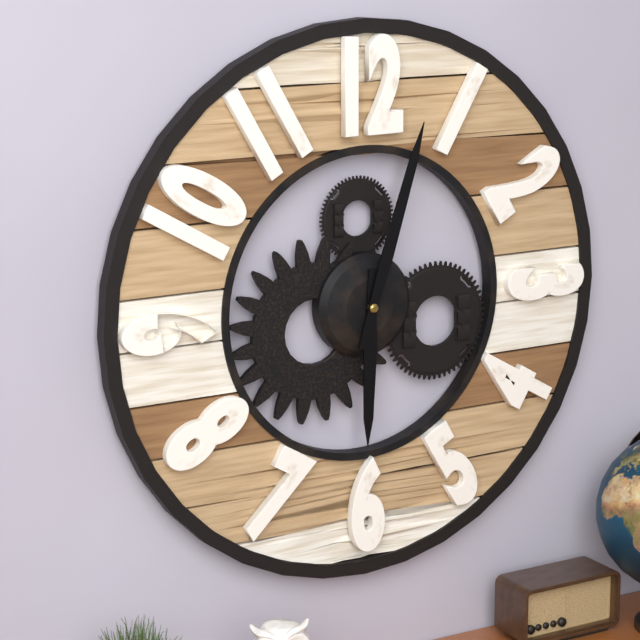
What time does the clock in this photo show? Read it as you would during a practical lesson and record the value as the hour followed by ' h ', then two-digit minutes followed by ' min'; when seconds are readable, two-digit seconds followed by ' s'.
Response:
6 h 03 min
